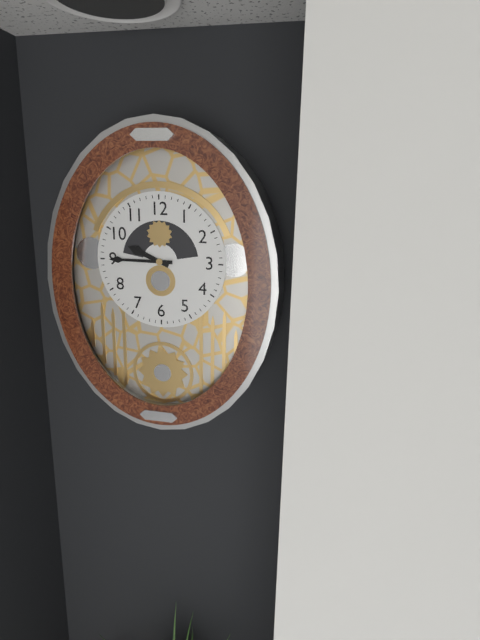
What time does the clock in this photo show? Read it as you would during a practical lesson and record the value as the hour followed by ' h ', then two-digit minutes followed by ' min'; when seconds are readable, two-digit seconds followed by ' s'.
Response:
9 h 45 min
